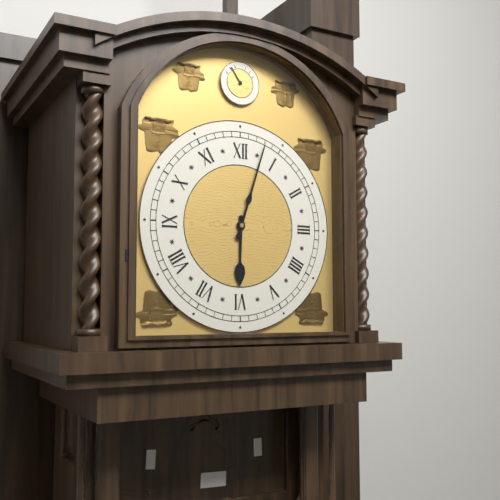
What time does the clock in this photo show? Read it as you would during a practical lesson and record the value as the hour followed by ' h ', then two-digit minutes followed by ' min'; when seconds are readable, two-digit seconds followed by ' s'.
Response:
6 h 03 min
